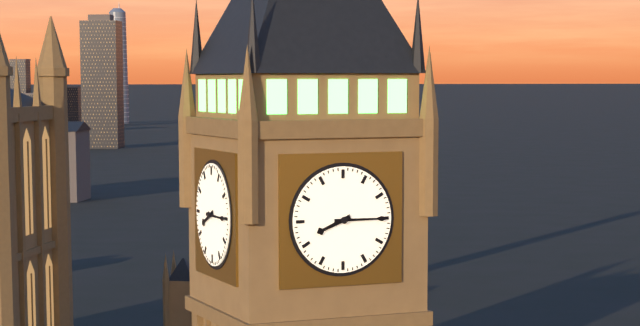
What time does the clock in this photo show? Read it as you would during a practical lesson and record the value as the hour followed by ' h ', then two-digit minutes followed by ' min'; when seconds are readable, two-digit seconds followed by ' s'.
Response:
8 h 15 min
